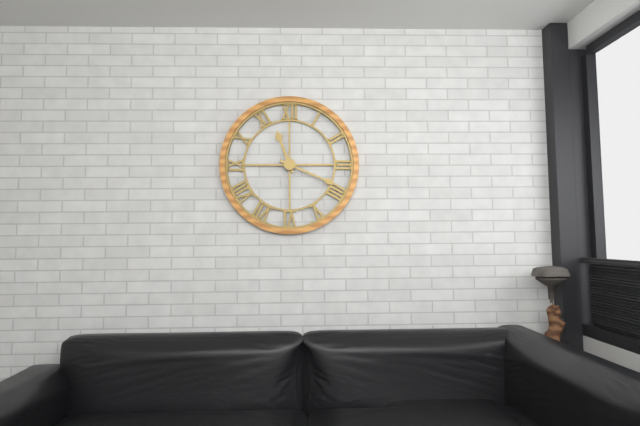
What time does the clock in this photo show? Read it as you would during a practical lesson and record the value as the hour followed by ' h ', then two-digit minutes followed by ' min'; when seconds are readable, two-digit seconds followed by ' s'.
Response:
11 h 19 min
